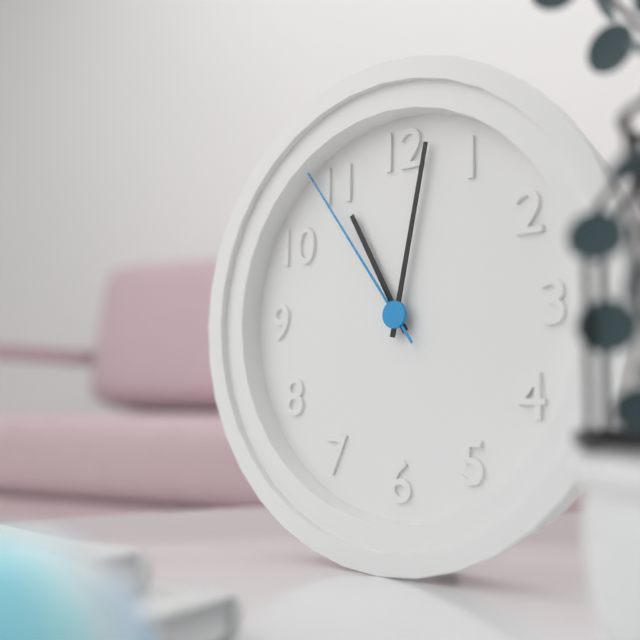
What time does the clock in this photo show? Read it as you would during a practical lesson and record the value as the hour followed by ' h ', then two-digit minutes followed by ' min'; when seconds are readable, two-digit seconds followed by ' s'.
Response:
11 h 02 min 54 s
